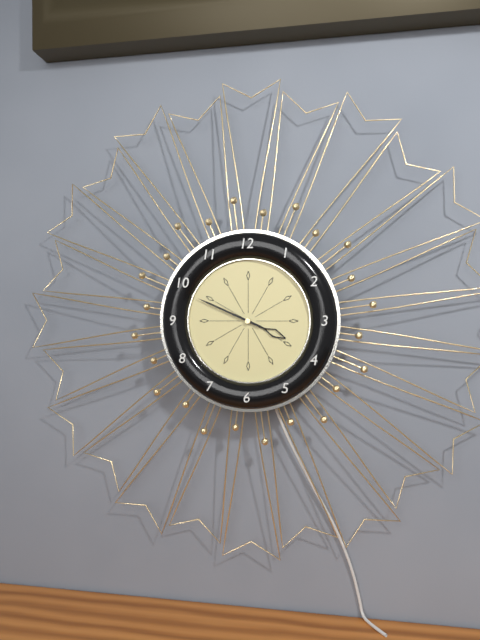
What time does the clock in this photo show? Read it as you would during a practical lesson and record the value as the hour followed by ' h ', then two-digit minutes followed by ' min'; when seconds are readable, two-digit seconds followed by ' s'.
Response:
3 h 49 min
